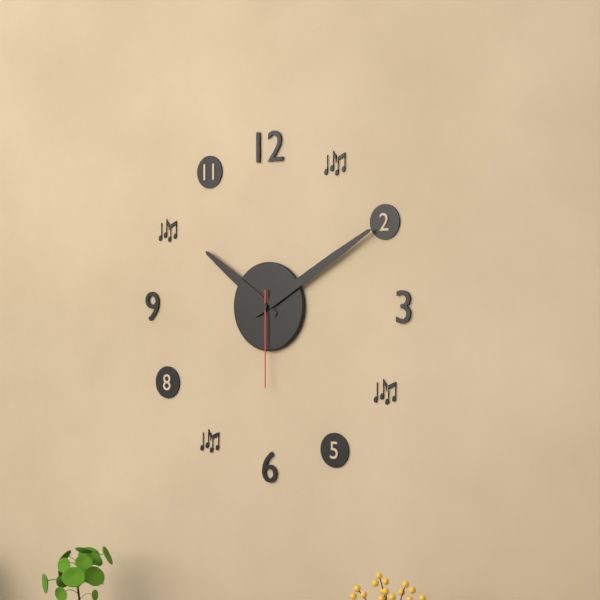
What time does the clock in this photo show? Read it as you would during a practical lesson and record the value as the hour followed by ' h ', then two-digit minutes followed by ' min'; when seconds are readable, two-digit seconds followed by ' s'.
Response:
10 h 10 min 30 s
